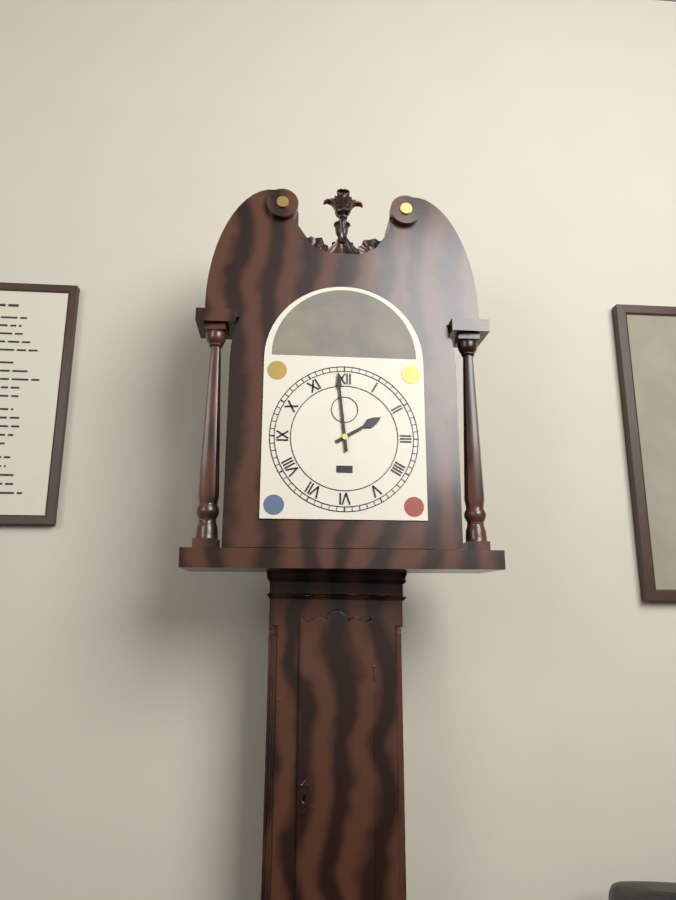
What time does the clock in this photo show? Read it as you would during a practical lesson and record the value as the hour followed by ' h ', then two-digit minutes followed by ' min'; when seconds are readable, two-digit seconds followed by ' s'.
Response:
1 h 59 min
